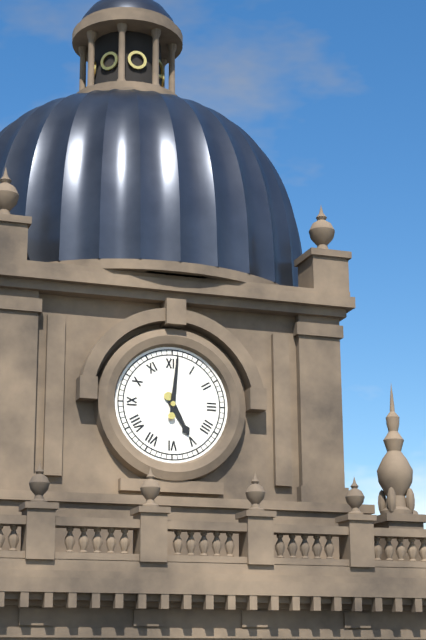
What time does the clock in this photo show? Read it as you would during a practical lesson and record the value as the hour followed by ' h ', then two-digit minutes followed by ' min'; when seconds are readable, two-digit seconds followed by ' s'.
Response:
5 h 01 min
